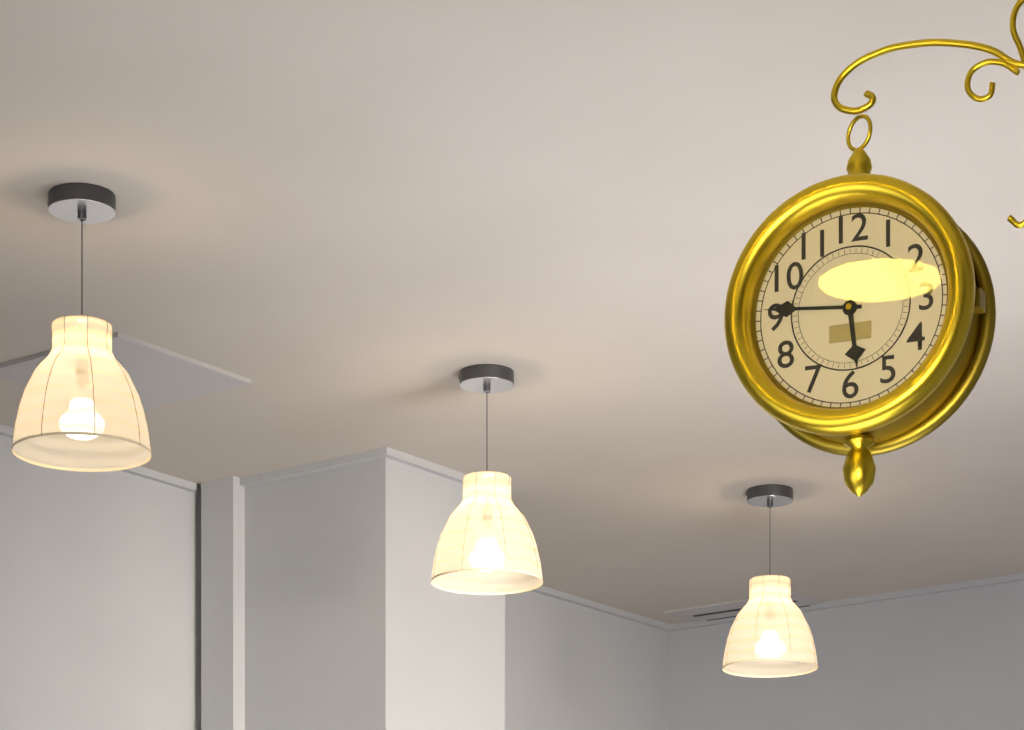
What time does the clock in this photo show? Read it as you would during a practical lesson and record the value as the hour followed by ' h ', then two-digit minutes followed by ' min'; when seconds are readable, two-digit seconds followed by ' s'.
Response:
5 h 46 min
